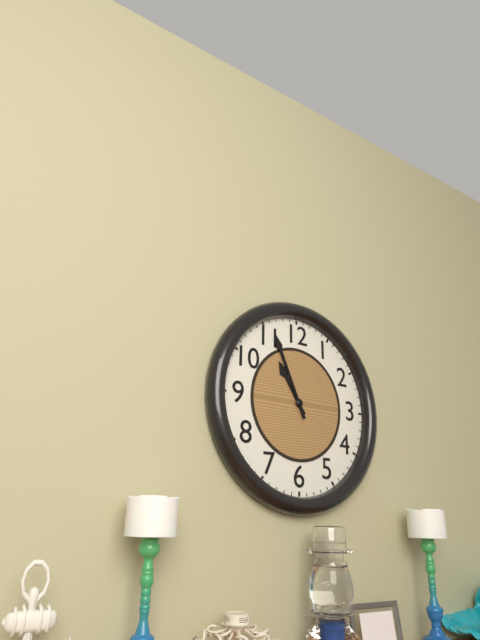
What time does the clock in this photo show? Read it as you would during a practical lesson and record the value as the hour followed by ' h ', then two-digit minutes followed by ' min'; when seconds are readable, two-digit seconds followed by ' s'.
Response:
10 h 56 min
